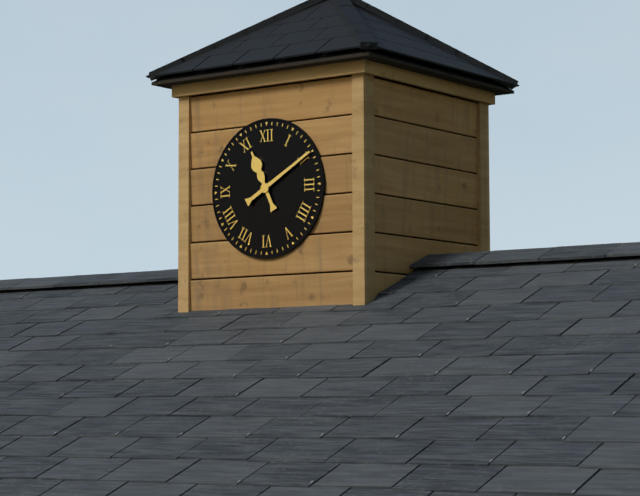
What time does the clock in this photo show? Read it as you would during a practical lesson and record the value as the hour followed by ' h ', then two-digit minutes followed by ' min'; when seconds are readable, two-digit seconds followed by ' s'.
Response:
11 h 10 min
